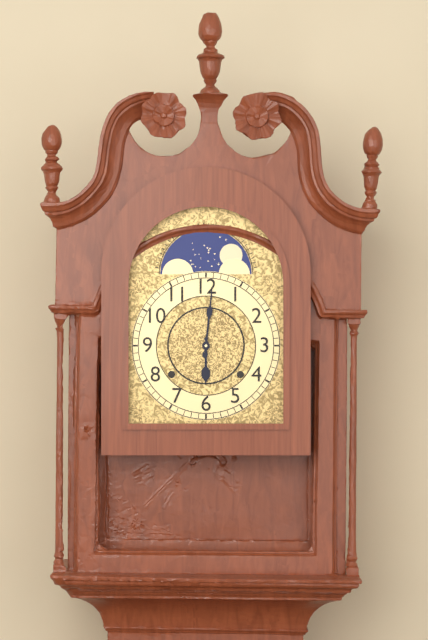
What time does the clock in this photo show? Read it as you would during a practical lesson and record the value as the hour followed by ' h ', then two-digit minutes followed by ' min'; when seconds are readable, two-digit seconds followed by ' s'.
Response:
6 h 01 min
